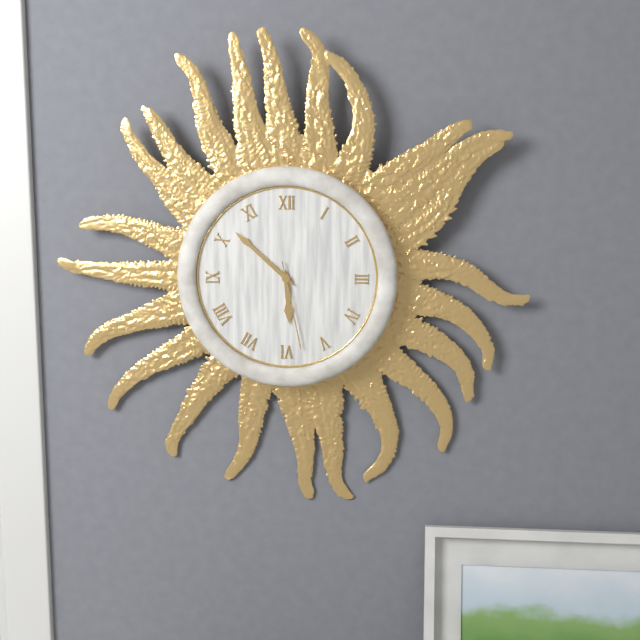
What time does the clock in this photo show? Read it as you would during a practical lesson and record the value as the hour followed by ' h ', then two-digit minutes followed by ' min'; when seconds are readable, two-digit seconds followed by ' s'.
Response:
5 h 52 min 28 s
